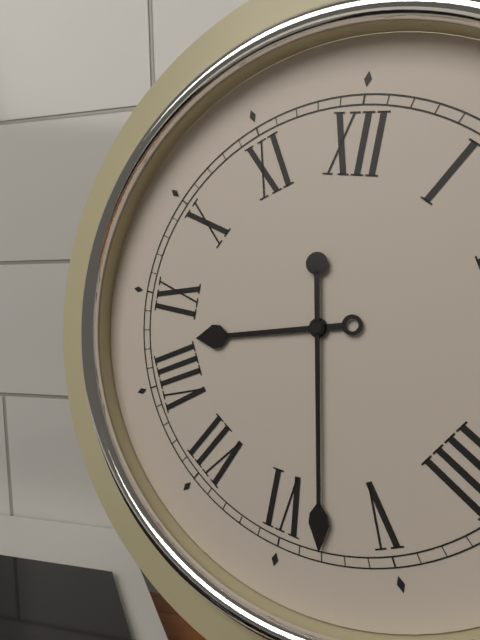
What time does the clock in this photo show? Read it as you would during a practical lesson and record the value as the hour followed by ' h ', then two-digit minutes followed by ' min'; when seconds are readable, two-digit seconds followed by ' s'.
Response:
8 h 28 min
